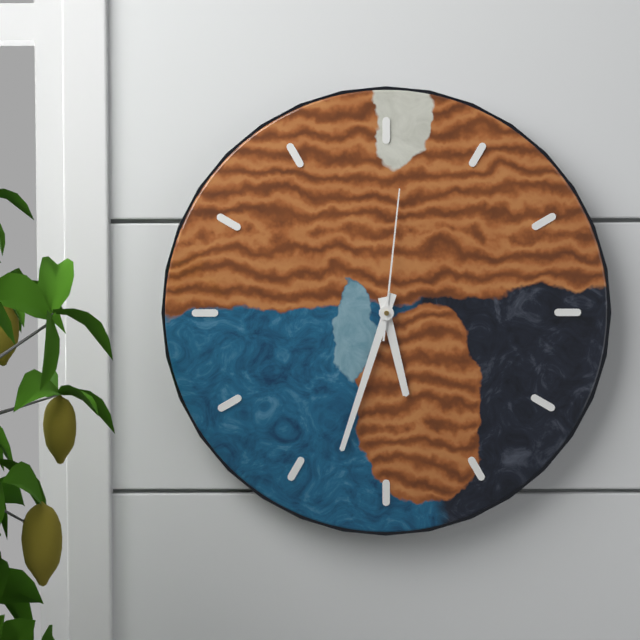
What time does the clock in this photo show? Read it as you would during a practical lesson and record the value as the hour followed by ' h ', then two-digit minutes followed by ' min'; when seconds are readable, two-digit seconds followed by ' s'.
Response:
5 h 33 min 01 s
